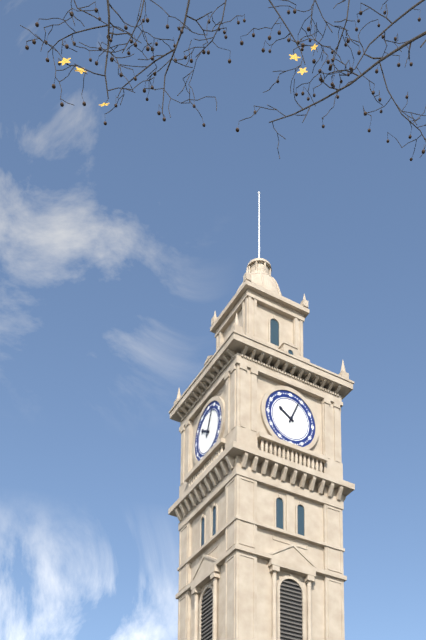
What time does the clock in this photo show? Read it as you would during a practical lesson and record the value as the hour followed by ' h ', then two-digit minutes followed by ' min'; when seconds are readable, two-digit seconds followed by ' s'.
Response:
10 h 04 min
